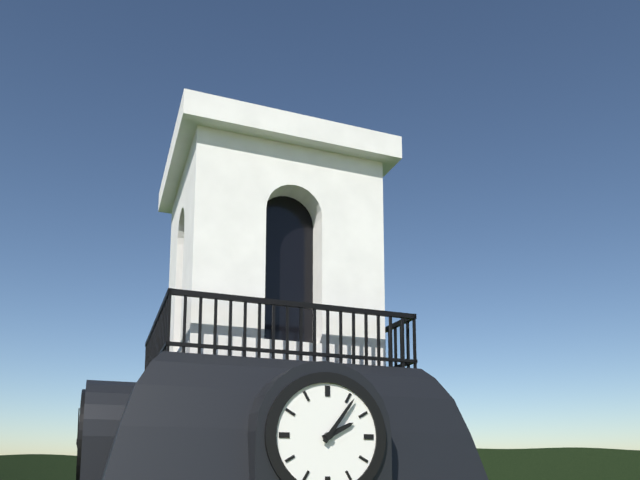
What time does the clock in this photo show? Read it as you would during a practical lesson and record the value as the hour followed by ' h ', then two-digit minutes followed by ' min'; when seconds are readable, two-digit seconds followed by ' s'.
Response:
2 h 06 min
